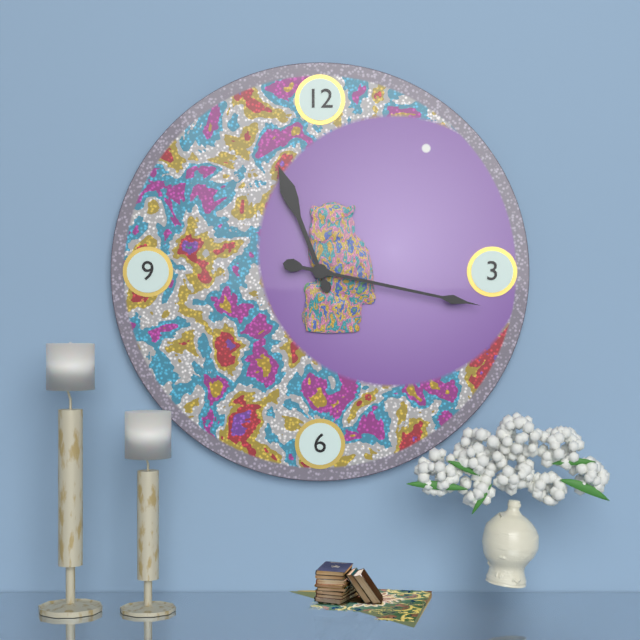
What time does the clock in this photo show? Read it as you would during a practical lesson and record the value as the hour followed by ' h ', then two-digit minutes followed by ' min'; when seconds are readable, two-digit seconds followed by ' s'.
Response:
11 h 17 min
